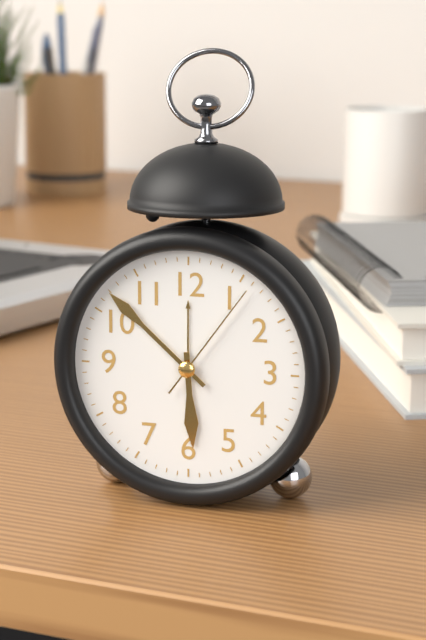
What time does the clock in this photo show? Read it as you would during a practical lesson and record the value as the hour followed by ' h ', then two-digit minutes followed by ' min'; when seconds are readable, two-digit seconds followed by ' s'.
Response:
5 h 52 min 06 s
